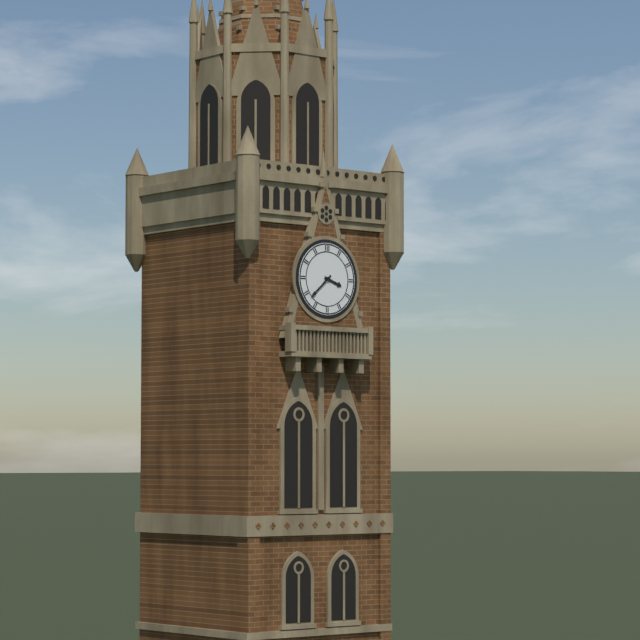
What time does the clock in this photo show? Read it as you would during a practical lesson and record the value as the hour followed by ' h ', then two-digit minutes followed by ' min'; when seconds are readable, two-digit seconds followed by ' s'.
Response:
3 h 38 min
